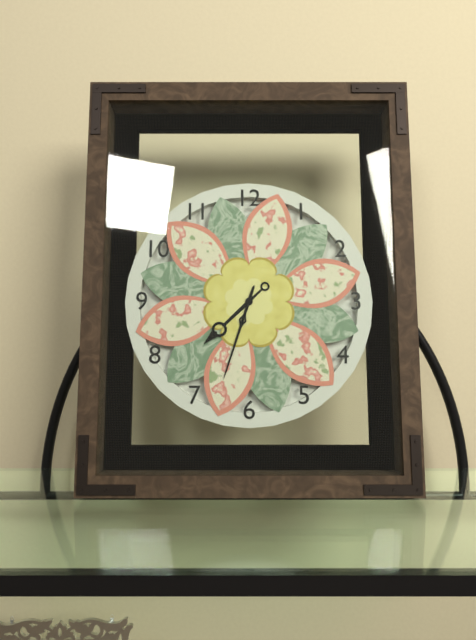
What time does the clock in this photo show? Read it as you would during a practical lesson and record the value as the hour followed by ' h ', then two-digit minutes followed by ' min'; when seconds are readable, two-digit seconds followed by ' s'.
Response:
7 h 33 min
